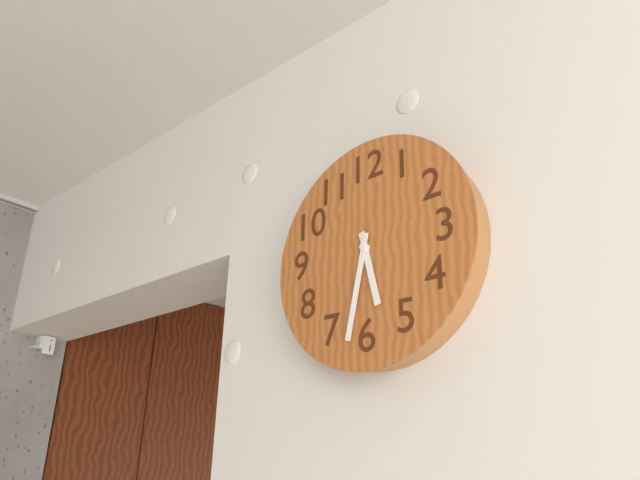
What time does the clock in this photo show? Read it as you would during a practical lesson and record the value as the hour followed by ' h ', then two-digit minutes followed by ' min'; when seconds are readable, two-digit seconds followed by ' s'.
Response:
5 h 32 min
